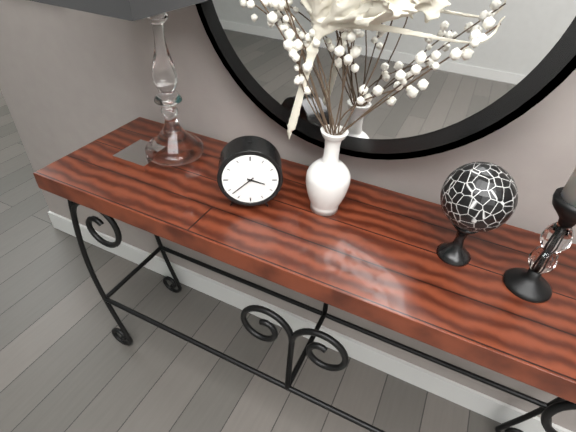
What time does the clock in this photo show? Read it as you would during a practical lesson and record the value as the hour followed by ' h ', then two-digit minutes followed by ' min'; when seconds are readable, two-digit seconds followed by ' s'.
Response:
3 h 38 min
